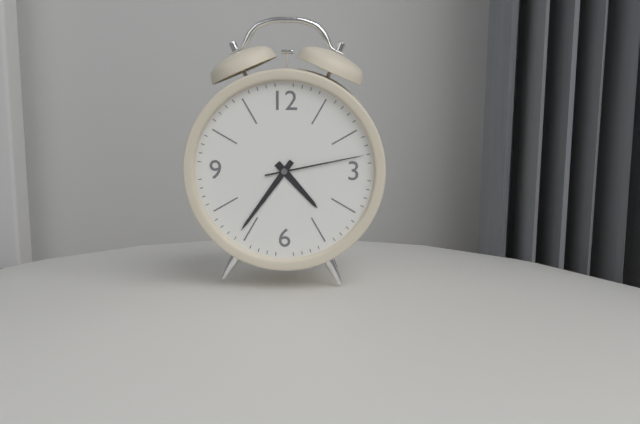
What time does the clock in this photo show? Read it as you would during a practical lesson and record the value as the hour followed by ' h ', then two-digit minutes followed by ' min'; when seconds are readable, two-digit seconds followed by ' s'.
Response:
4 h 36 min 13 s
